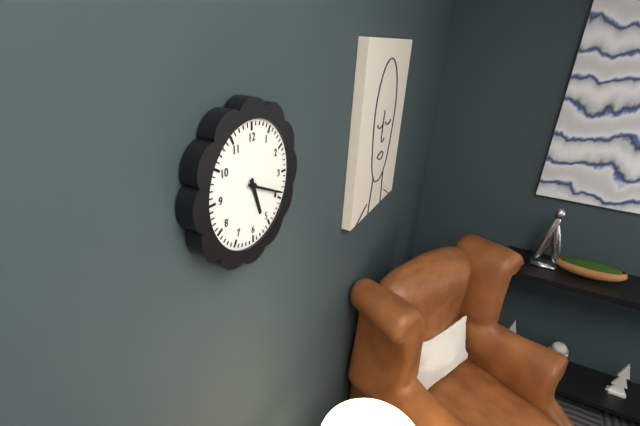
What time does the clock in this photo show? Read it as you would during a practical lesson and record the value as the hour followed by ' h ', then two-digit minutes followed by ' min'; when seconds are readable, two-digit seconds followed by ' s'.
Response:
5 h 19 min
